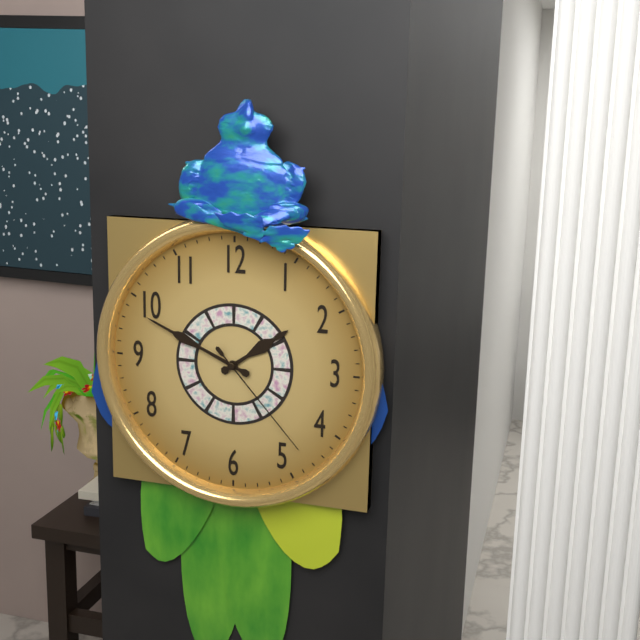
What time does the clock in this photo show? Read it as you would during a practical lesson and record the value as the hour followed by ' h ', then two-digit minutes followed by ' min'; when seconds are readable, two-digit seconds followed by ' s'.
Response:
1 h 49 min 23 s
